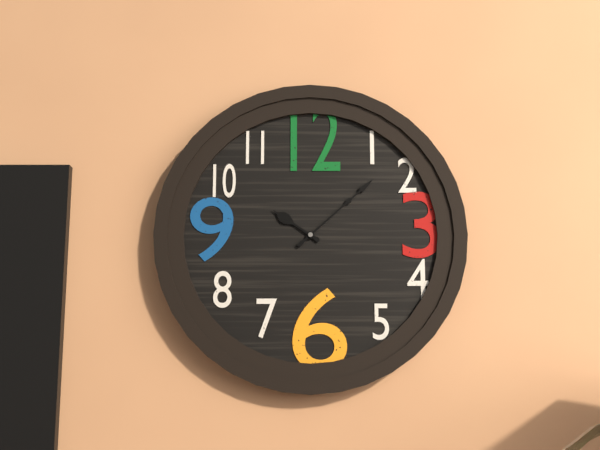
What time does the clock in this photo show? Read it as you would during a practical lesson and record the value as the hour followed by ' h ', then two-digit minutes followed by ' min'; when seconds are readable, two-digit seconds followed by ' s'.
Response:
10 h 08 min
